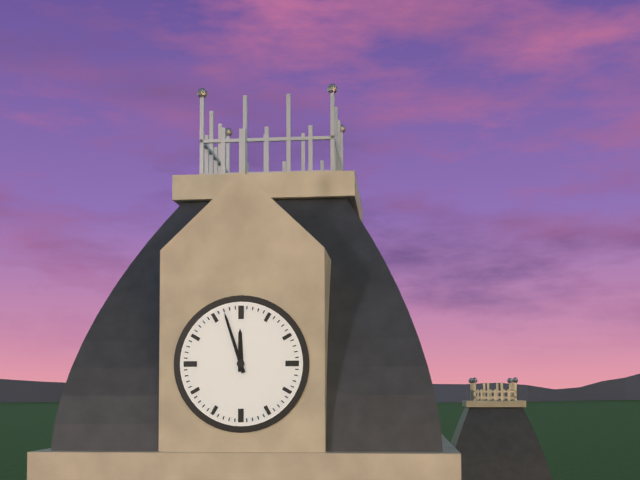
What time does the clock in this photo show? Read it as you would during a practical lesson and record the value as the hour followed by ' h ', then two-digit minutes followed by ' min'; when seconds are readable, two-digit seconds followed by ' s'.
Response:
11 h 57 min
